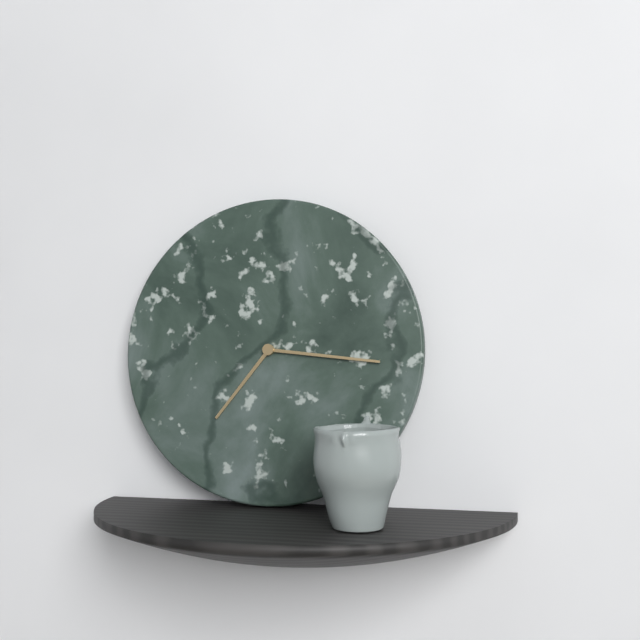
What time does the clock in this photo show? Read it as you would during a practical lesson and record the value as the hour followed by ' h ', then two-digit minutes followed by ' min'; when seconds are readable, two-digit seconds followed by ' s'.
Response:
7 h 16 min
